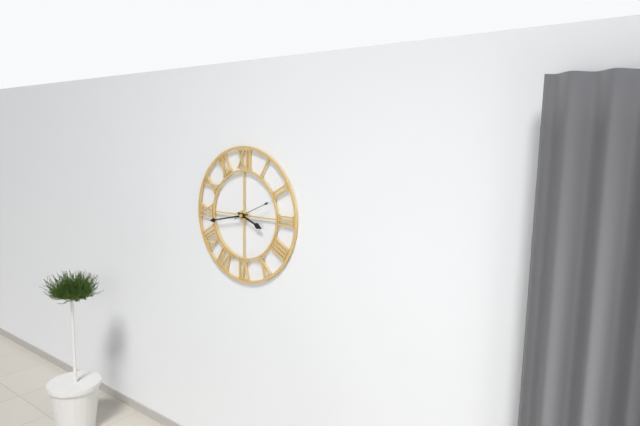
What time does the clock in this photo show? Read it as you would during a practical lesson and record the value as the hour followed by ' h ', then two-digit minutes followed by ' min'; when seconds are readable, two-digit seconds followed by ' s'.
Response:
3 h 43 min
